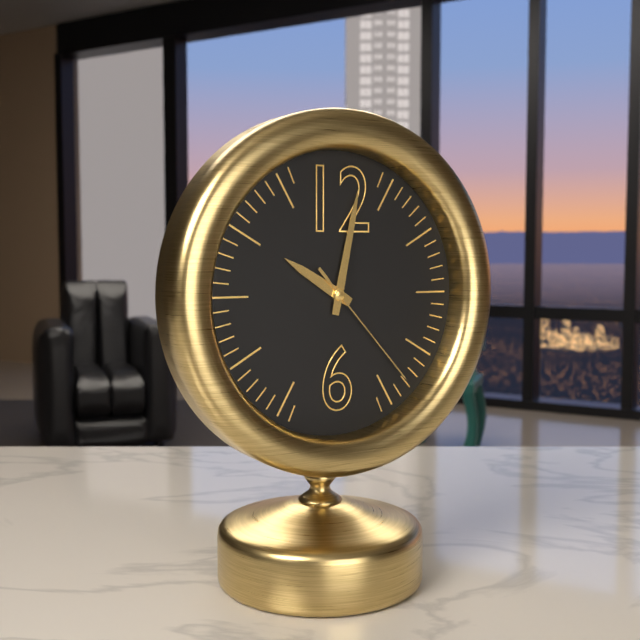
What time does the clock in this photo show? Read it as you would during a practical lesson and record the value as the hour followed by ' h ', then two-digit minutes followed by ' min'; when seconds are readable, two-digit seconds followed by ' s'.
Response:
10 h 02 min 23 s
